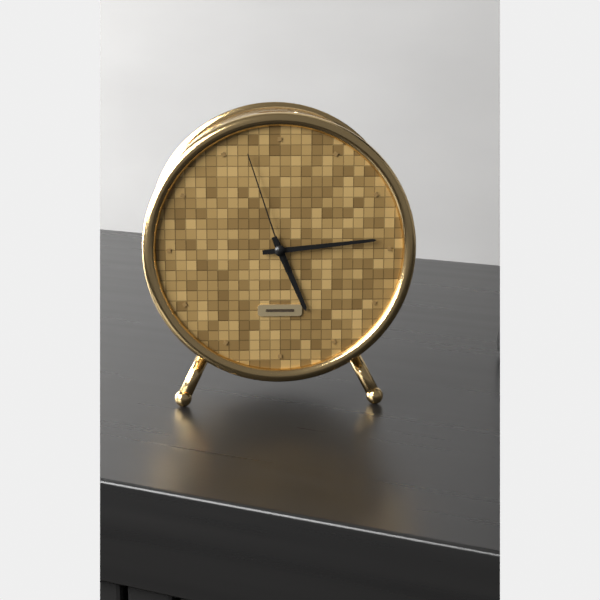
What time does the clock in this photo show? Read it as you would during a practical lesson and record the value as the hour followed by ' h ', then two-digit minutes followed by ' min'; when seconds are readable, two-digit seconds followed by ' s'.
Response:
5 h 14 min 57 s
